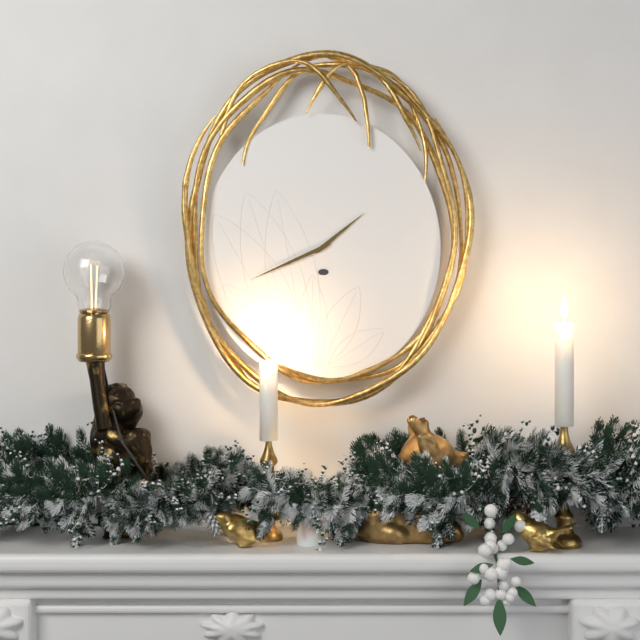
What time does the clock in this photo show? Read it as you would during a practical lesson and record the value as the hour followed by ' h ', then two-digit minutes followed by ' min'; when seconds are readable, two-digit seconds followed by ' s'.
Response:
1 h 41 min
